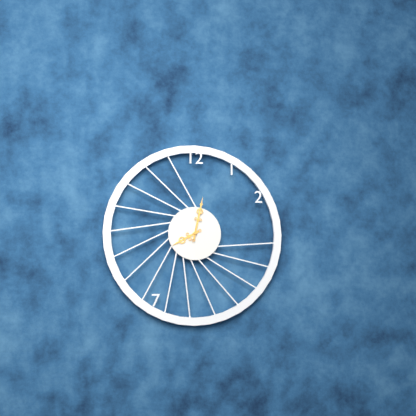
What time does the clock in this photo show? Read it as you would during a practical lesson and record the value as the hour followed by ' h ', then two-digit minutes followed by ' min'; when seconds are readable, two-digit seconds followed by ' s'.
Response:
8 h 02 min
